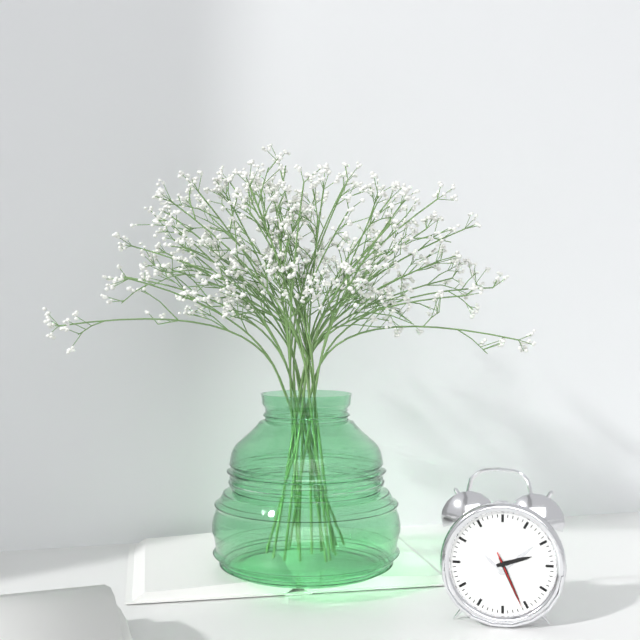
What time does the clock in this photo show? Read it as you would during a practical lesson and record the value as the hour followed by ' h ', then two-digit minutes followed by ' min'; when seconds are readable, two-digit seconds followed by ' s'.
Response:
2 h 26 min 26 s
